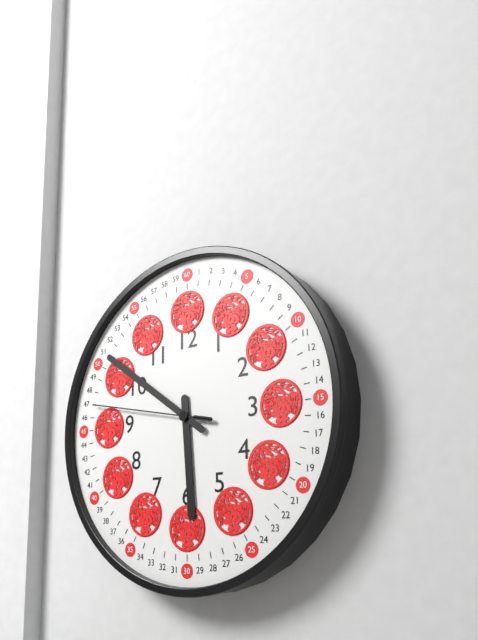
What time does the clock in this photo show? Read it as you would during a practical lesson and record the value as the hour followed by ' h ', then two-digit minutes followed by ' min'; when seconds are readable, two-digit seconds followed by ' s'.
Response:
5 h 51 min 47 s
